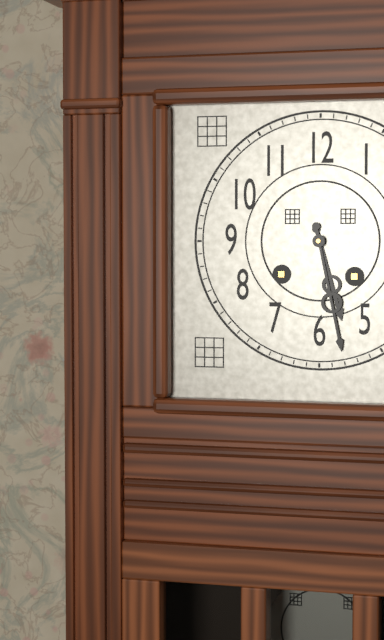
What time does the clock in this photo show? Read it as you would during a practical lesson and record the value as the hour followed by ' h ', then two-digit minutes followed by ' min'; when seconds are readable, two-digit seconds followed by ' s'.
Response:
5 h 28 min
